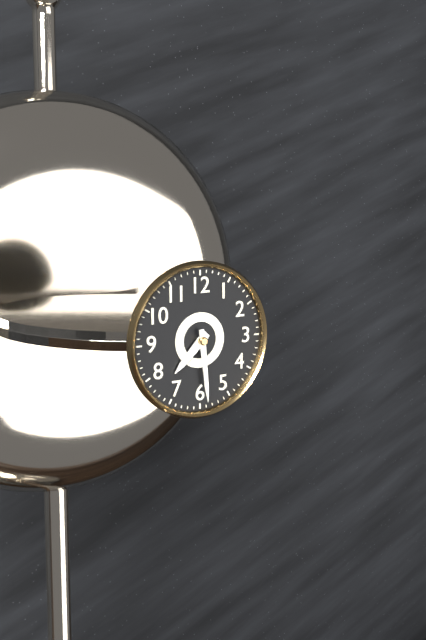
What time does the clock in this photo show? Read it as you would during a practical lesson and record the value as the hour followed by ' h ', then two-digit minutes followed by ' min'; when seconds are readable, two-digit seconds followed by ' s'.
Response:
7 h 29 min
